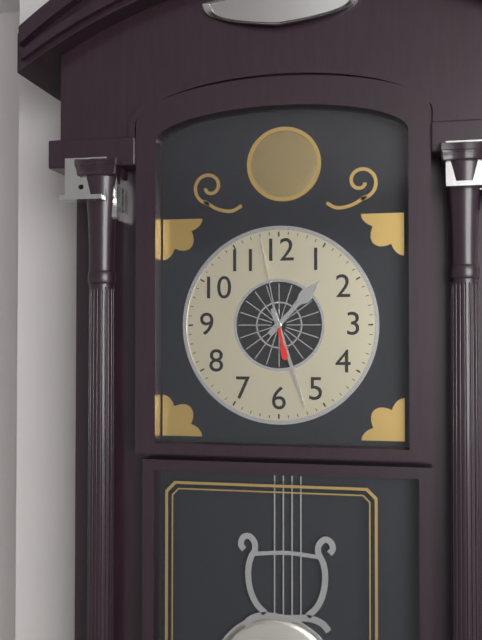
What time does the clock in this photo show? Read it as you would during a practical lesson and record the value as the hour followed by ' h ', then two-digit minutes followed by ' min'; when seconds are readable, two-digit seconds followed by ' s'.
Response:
1 h 27 min 58 s
